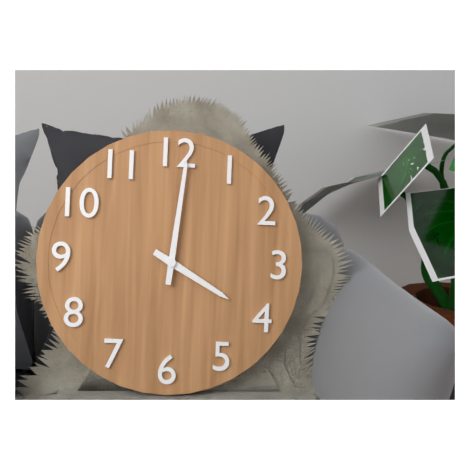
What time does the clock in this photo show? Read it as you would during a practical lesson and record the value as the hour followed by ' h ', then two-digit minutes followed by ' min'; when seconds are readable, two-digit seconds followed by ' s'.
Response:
4 h 01 min
